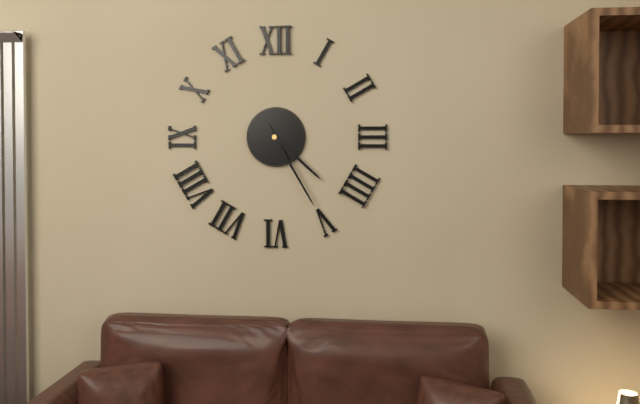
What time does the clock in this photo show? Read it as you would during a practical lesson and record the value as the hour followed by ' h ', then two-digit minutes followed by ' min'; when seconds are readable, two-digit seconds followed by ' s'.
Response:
4 h 25 min
